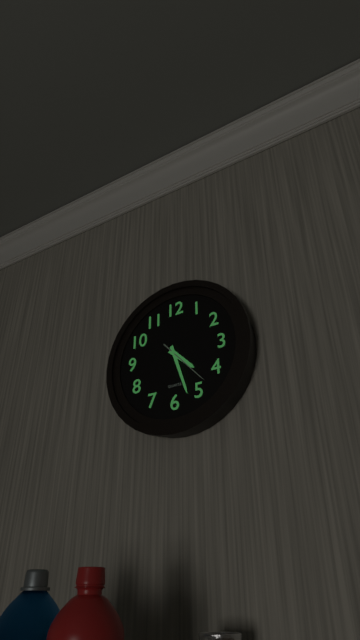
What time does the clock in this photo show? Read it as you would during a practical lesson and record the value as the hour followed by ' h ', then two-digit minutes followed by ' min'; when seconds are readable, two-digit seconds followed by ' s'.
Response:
4 h 27 min
